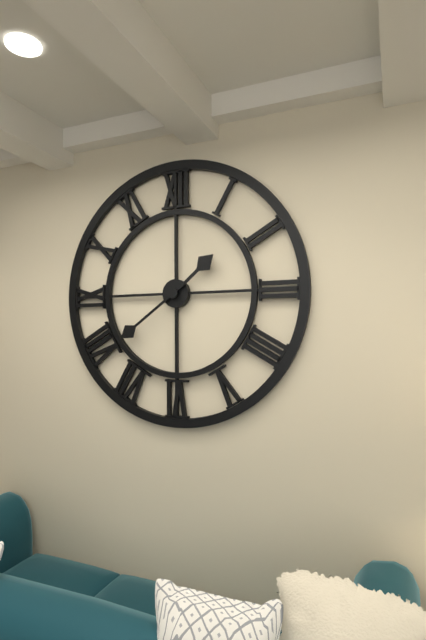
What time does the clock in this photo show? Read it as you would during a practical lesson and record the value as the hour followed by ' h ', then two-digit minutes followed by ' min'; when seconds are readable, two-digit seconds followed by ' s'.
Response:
1 h 39 min
